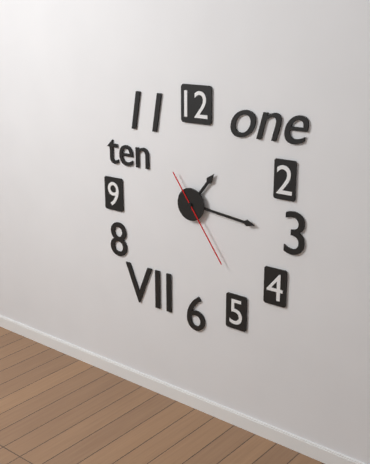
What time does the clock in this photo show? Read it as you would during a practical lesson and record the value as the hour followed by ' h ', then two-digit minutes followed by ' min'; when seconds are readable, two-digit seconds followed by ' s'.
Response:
1 h 16 min 24 s
